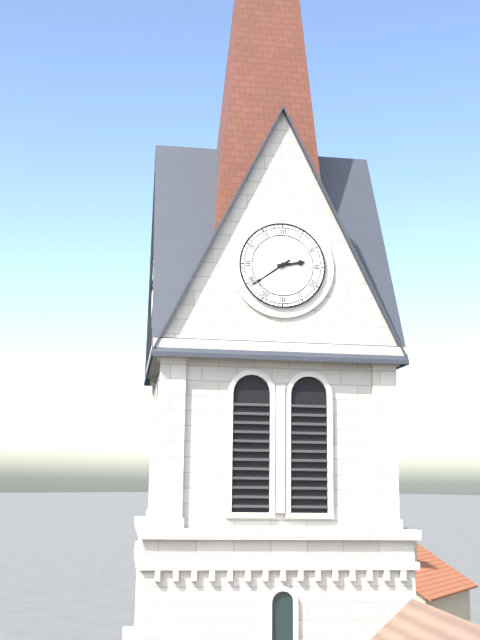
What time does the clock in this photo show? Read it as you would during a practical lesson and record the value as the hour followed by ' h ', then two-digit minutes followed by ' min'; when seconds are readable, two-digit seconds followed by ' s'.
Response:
2 h 39 min
